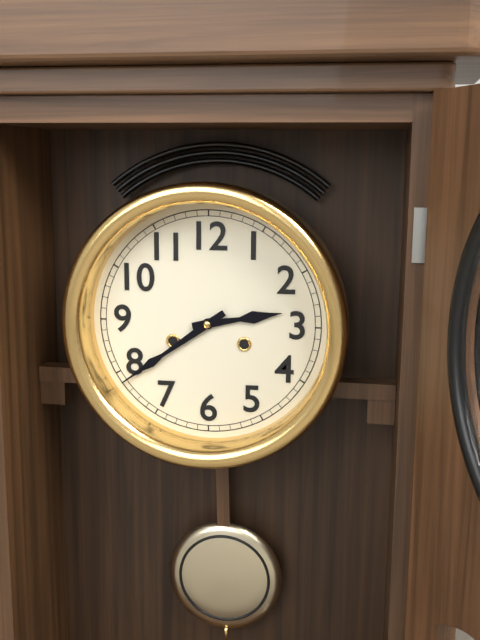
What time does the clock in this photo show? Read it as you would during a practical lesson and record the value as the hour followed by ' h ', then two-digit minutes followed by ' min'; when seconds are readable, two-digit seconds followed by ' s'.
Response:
2 h 39 min
